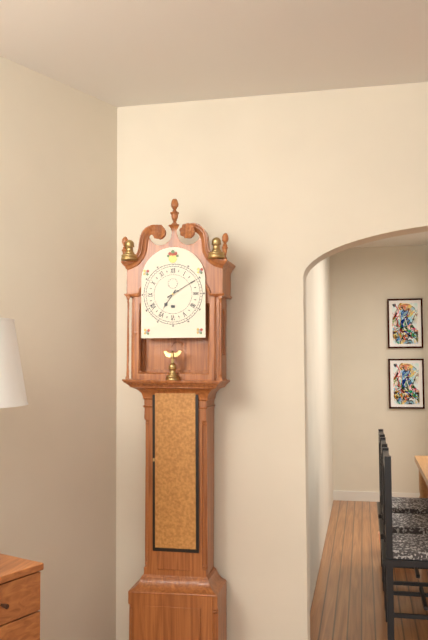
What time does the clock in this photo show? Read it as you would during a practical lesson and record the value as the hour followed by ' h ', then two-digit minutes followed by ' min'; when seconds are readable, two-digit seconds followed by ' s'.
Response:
7 h 10 min
